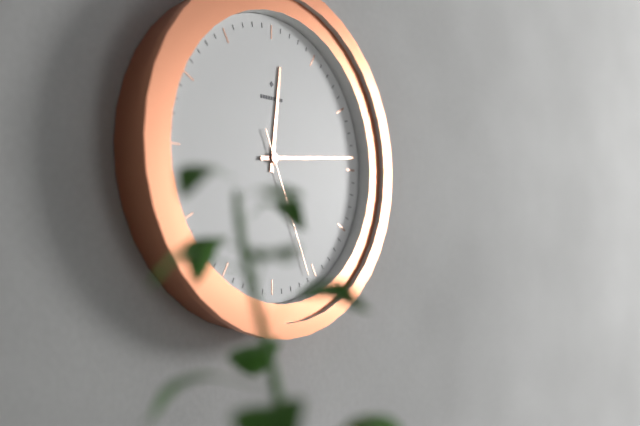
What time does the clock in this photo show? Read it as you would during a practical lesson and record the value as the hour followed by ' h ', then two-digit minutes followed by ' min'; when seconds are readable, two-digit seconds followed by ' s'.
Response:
12 h 14 min 26 s
